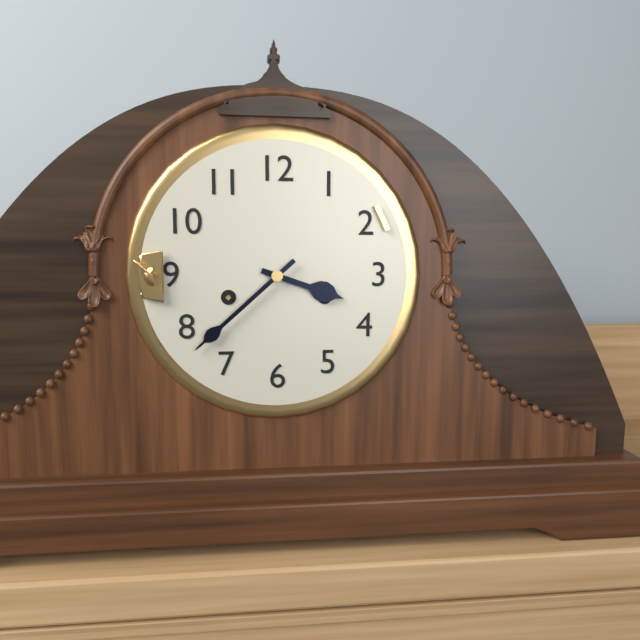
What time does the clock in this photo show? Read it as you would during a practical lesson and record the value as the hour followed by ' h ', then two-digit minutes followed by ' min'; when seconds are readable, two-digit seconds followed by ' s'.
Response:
3 h 38 min
